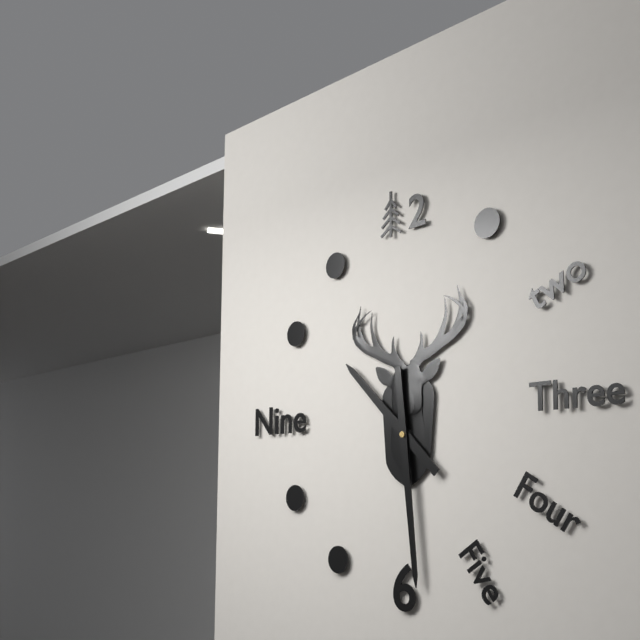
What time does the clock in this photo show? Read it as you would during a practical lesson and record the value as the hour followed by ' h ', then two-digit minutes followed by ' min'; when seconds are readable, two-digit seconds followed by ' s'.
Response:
10 h 29 min
